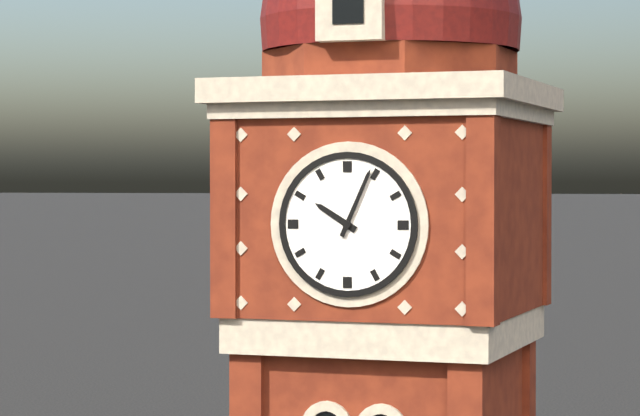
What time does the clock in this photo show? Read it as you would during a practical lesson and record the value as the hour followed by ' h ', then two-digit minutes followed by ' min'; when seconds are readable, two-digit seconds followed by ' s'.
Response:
10 h 04 min
